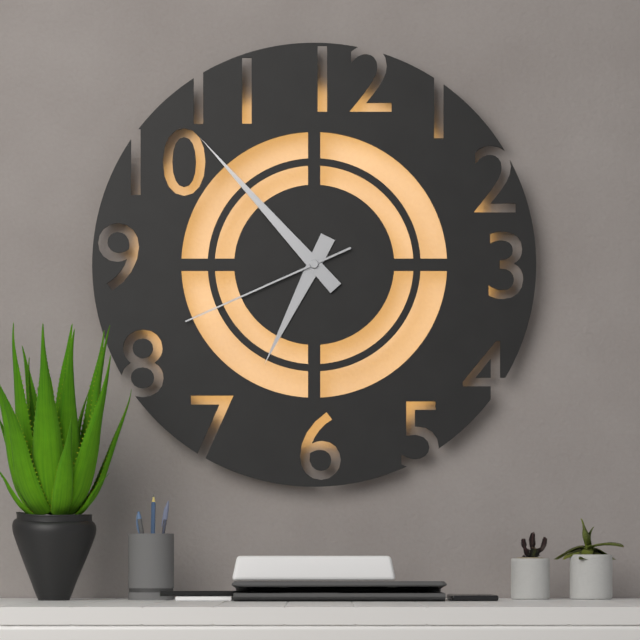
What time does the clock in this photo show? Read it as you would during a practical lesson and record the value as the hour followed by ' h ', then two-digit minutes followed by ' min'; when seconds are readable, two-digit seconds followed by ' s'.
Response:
6 h 53 min 41 s
